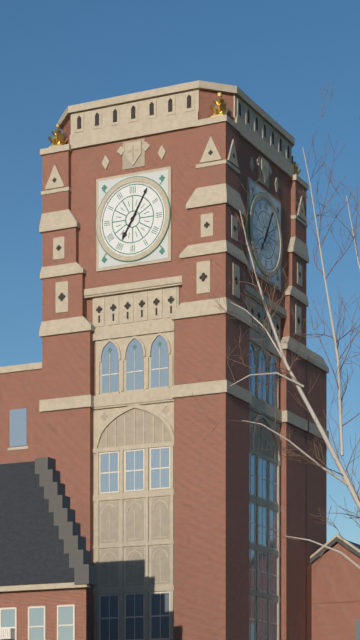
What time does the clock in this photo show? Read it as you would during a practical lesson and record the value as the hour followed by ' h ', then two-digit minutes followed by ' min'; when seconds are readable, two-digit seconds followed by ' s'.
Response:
7 h 05 min
